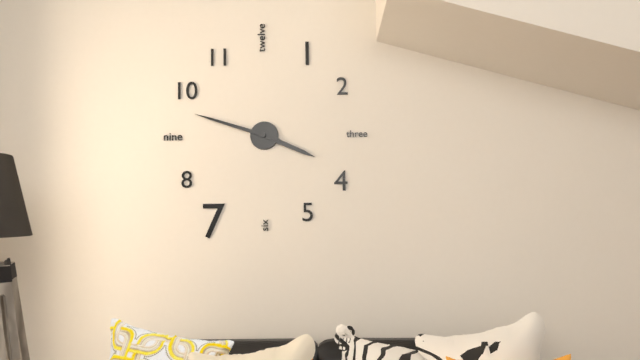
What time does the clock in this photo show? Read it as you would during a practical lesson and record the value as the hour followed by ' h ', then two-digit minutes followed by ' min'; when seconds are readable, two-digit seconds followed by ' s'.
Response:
3 h 48 min
